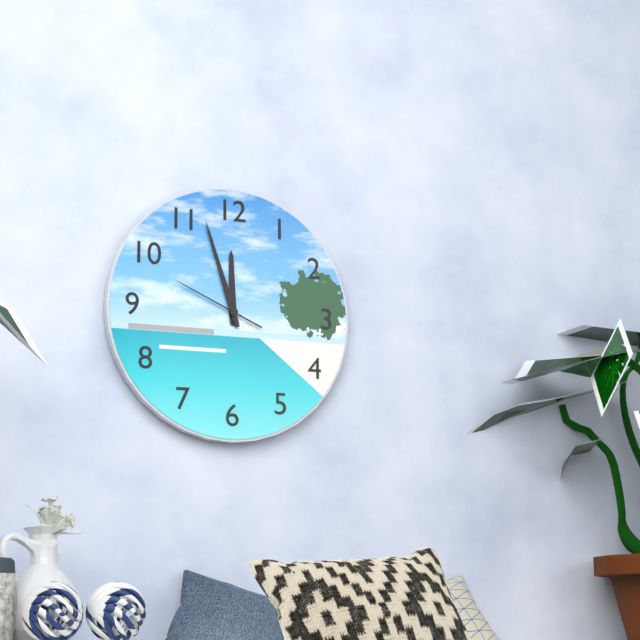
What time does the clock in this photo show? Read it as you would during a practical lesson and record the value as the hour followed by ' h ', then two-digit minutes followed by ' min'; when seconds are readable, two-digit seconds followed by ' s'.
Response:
11 h 57 min 49 s
